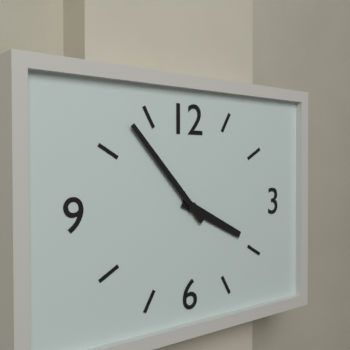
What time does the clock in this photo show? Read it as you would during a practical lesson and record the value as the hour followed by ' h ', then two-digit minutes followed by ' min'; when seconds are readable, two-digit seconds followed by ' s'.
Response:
3 h 53 min
